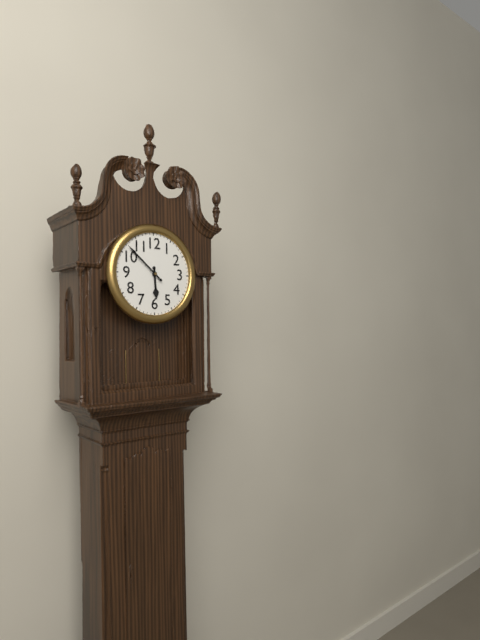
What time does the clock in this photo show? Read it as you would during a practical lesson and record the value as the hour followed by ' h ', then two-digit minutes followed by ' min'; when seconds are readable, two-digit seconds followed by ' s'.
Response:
5 h 52 min
